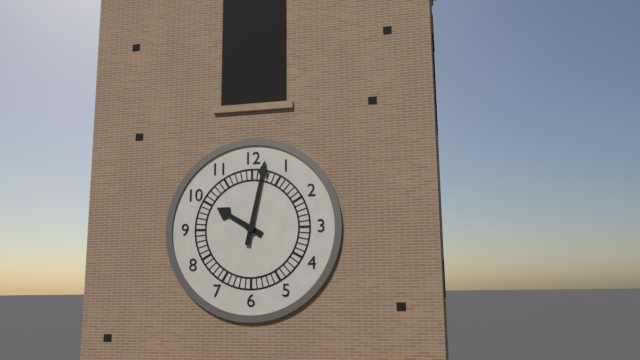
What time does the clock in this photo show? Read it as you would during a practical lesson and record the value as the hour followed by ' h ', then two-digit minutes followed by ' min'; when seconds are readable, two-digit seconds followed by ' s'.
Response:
10 h 02 min
